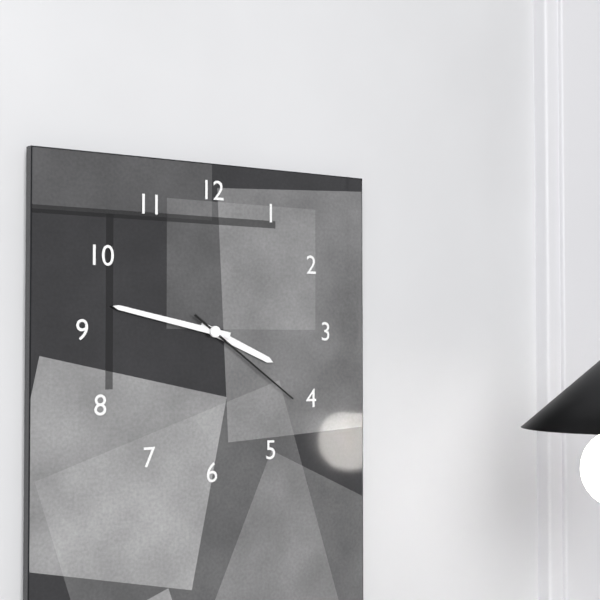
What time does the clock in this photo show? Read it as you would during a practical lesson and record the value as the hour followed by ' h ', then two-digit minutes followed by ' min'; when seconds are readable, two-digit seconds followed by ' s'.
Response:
3 h 47 min 21 s
